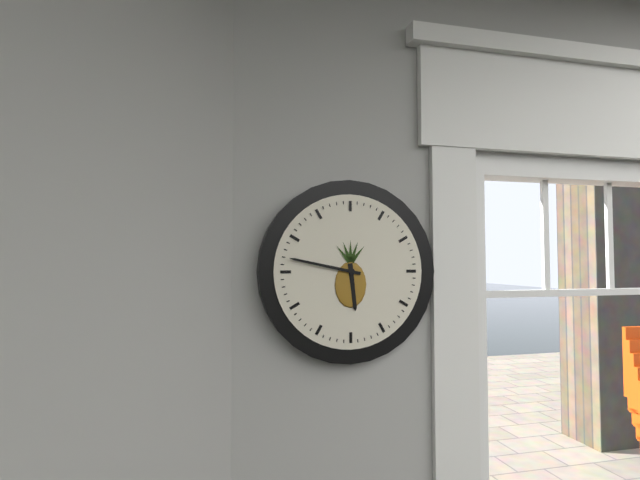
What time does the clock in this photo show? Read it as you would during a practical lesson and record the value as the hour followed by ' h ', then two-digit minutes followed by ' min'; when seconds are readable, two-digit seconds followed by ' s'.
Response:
5 h 47 min
